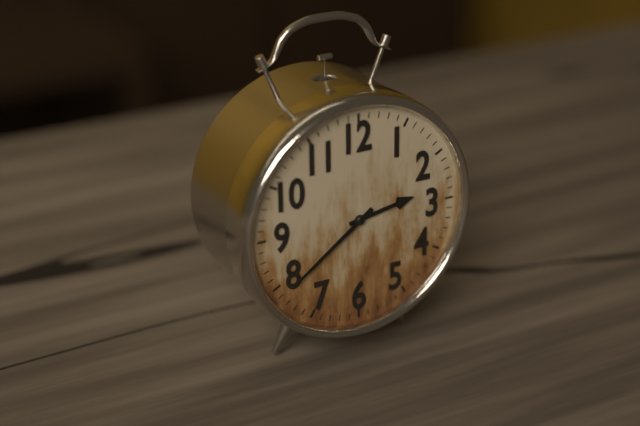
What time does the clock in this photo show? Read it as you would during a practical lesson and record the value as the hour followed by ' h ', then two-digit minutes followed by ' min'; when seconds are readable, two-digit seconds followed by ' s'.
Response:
2 h 39 min
